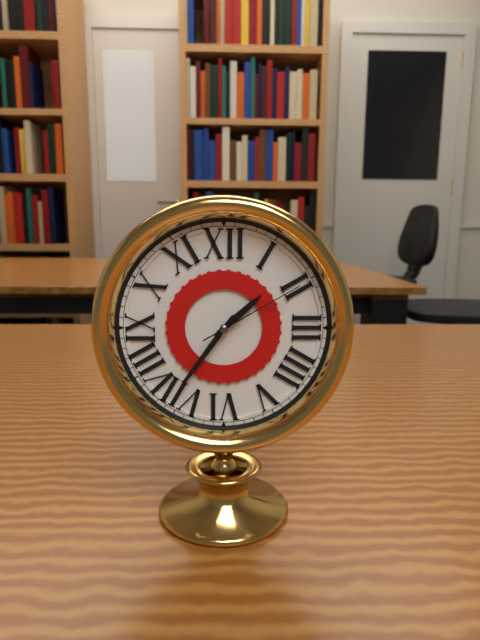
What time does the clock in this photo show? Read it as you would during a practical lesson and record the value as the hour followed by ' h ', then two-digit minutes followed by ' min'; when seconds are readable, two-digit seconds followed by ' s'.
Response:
1 h 36 min 10 s
